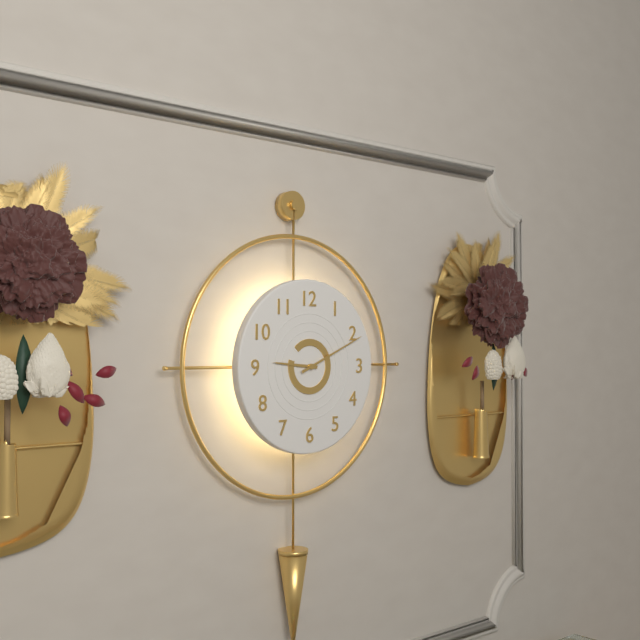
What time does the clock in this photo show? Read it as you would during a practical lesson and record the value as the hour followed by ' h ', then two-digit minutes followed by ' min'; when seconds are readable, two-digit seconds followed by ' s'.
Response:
9 h 11 min
